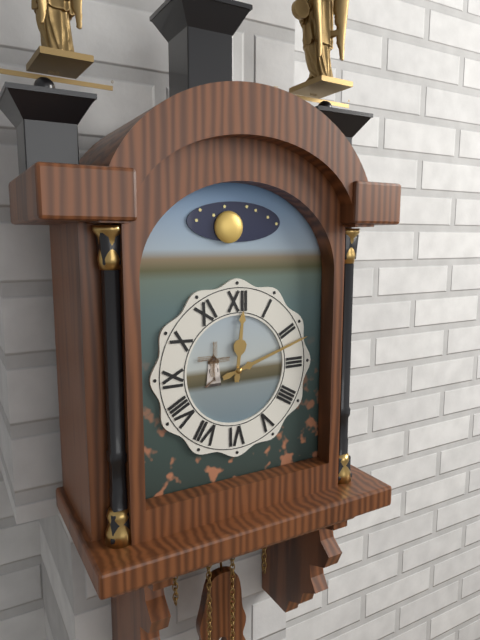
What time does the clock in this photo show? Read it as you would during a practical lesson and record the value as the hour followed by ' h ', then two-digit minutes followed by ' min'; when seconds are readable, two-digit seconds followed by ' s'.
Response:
12 h 12 min
